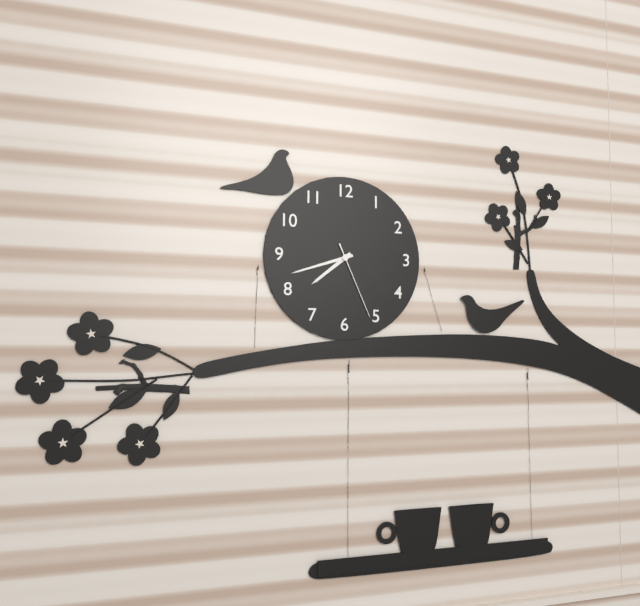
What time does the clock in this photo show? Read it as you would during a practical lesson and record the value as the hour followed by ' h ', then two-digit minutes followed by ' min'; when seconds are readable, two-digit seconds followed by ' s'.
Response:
7 h 42 min 26 s
